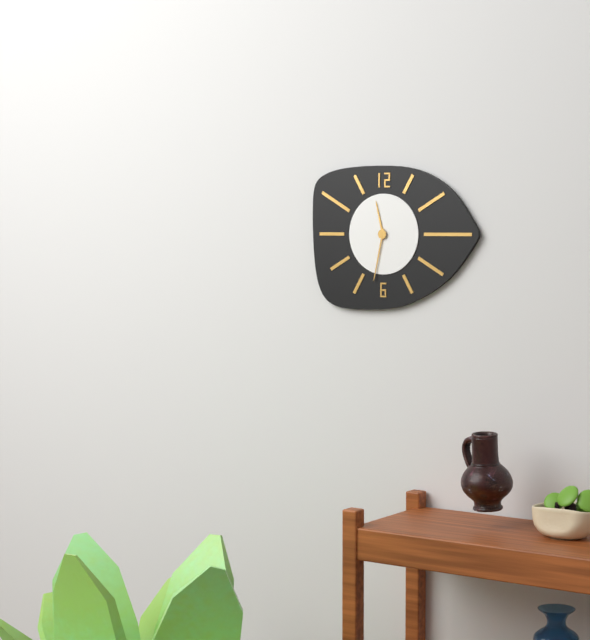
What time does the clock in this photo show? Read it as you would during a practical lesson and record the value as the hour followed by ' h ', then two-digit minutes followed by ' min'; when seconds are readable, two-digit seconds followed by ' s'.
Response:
11 h 32 min
